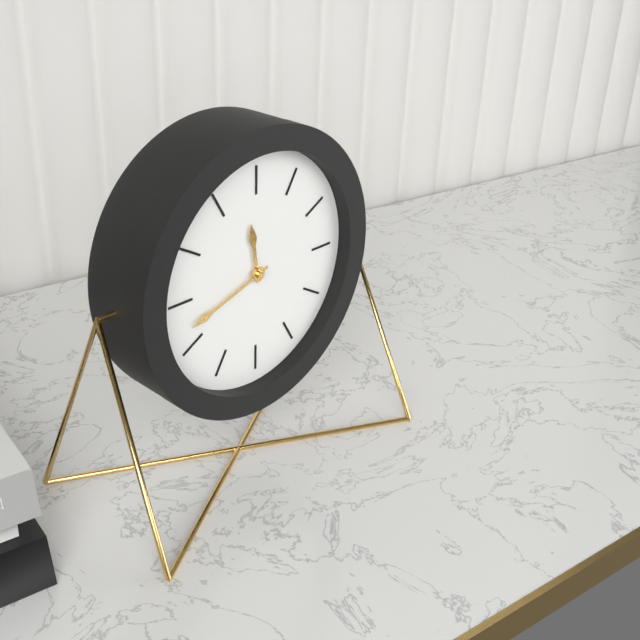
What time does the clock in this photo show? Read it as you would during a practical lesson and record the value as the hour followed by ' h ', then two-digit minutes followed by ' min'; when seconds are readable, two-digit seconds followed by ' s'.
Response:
11 h 42 min
